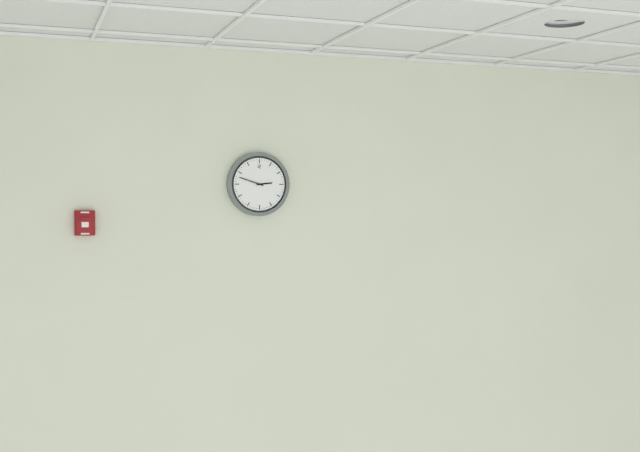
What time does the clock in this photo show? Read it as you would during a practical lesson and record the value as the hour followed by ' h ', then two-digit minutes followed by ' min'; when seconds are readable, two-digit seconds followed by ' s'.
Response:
2 h 48 min
